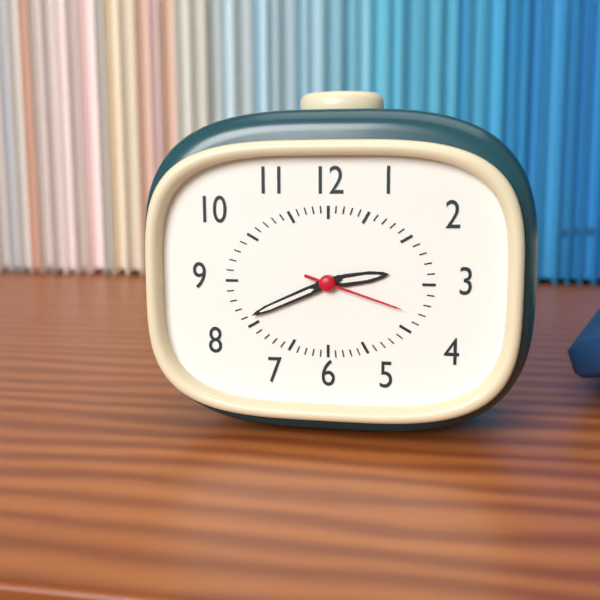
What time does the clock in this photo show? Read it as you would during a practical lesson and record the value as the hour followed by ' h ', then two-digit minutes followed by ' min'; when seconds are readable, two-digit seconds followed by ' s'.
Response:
2 h 41 min 18 s
